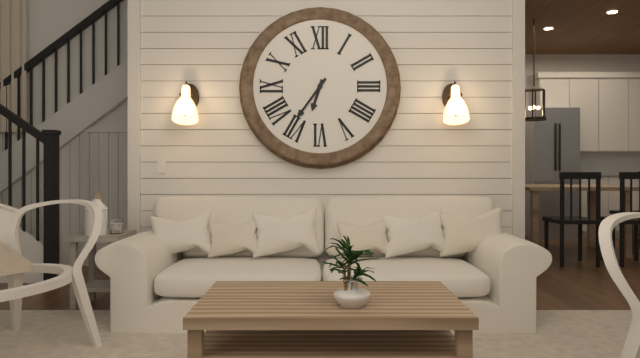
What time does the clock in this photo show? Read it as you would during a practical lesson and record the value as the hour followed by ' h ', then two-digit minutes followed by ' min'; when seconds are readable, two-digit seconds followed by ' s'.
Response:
6 h 36 min
